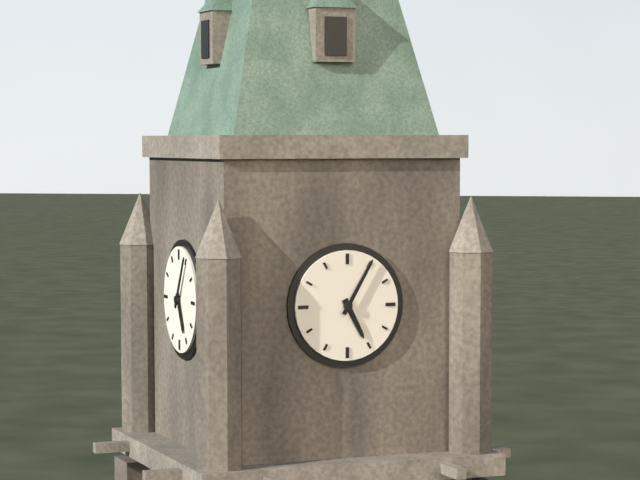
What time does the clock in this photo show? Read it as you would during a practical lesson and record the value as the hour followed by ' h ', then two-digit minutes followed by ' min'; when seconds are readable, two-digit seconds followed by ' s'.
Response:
5 h 05 min
